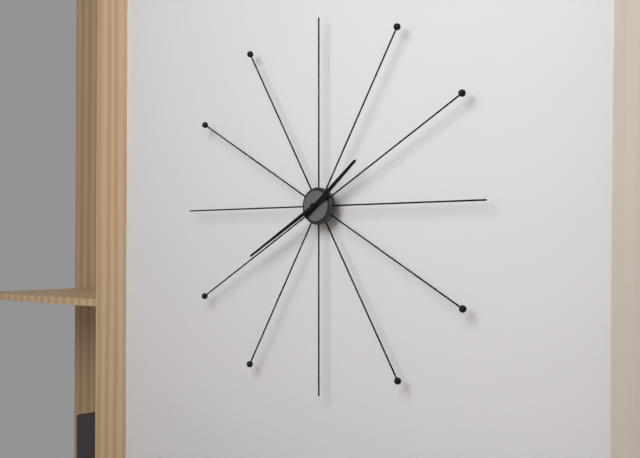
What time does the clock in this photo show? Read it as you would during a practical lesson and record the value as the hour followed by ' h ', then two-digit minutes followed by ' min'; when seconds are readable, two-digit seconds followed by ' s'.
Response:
1 h 40 min
